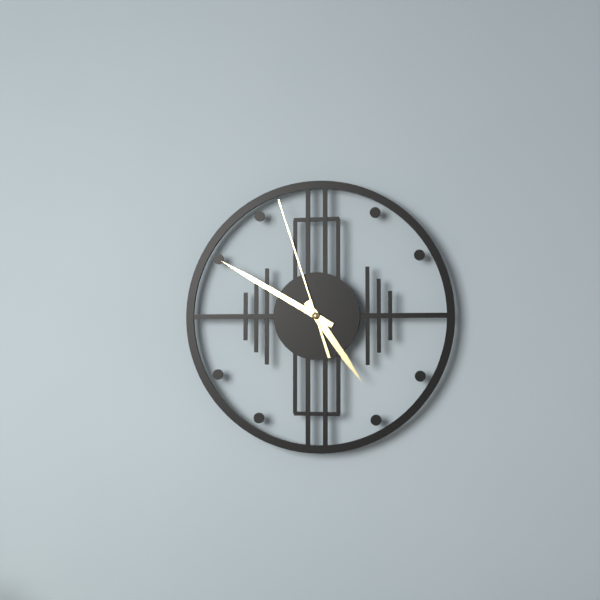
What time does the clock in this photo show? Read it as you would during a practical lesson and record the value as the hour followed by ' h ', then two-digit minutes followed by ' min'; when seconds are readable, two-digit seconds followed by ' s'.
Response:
4 h 50 min 57 s
